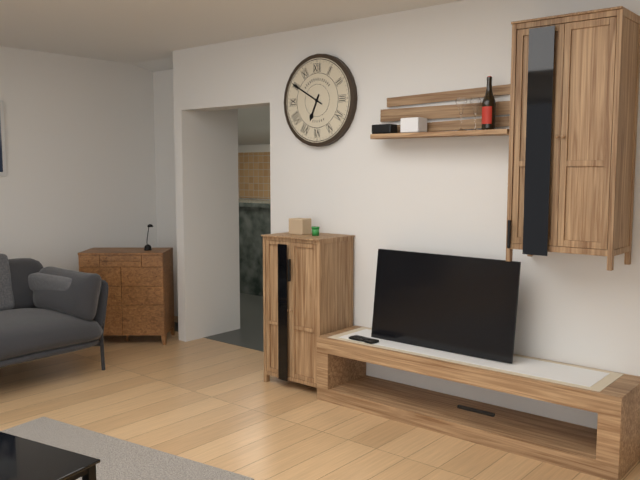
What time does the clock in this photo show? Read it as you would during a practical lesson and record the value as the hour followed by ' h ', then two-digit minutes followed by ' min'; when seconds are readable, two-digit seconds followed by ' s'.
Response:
6 h 50 min
